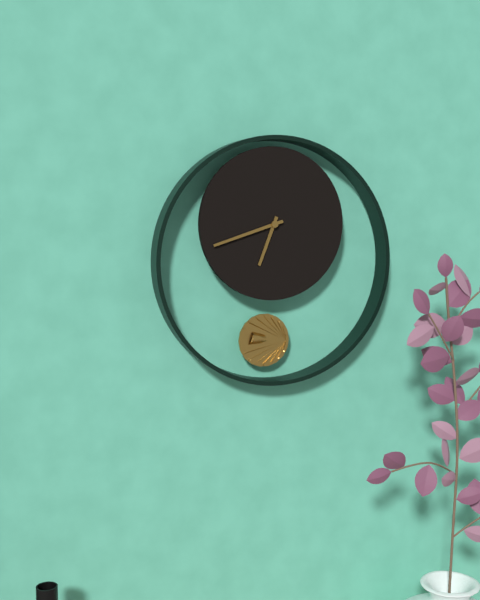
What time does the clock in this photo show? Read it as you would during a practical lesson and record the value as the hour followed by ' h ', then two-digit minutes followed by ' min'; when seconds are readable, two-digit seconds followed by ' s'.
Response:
6 h 42 min
